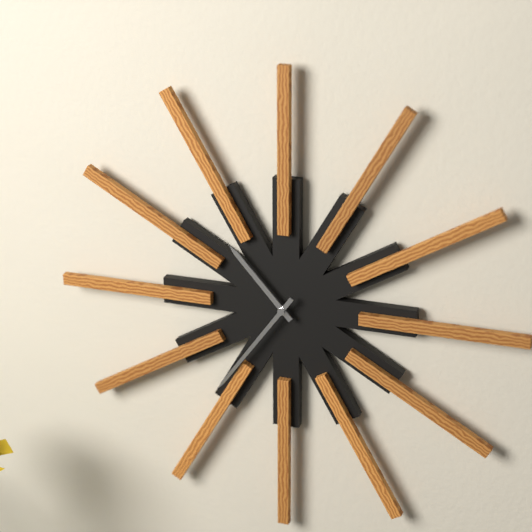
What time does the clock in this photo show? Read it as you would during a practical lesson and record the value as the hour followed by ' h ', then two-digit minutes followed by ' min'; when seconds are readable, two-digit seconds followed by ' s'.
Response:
10 h 36 min
